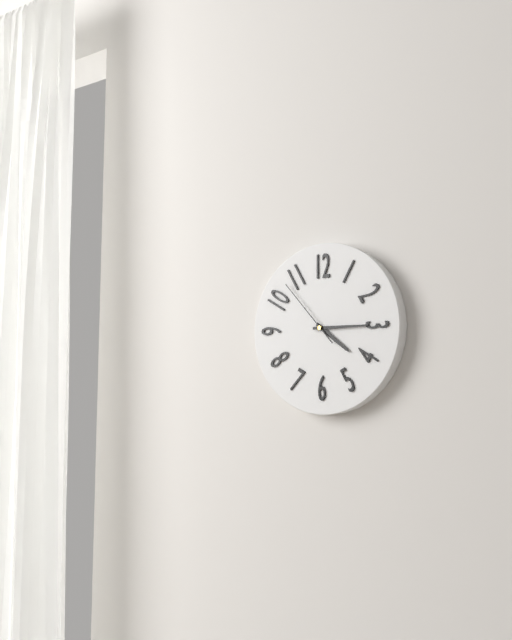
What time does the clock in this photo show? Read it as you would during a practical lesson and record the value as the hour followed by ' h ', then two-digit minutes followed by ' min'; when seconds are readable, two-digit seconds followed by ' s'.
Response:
4 h 15 min 53 s
